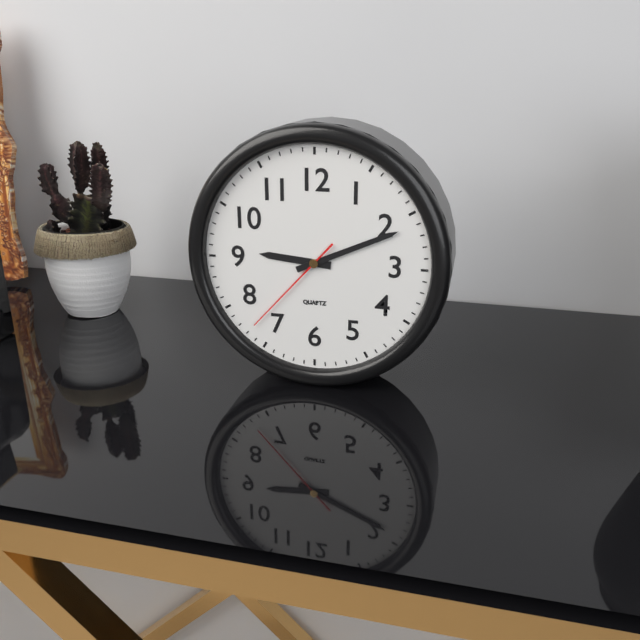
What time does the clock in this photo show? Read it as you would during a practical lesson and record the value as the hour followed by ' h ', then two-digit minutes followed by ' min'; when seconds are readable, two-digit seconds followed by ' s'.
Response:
9 h 11 min 37 s
